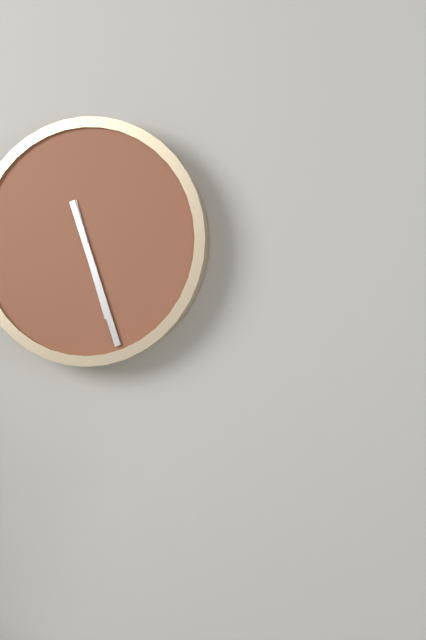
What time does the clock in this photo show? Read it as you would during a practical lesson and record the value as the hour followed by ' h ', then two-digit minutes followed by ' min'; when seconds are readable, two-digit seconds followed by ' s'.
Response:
5 h 27 min
